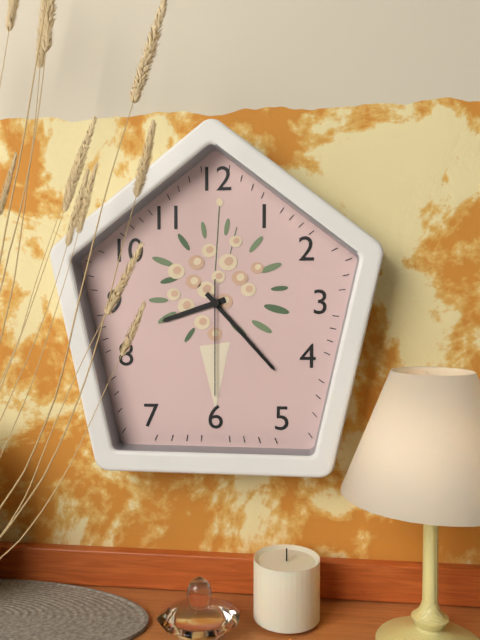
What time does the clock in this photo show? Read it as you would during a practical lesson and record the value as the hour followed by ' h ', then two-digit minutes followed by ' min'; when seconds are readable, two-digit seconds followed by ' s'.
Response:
8 h 23 min 30 s
